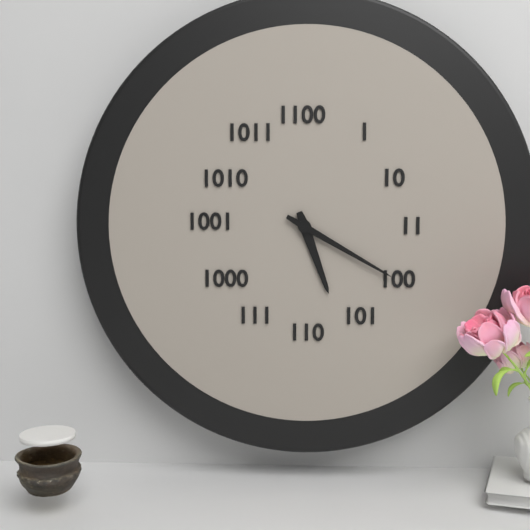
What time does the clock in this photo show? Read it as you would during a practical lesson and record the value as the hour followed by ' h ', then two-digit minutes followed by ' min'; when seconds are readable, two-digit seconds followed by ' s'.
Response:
5 h 20 min
